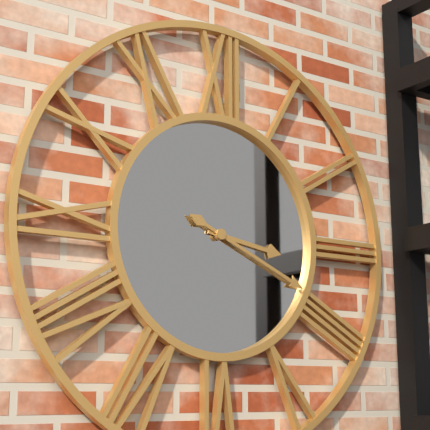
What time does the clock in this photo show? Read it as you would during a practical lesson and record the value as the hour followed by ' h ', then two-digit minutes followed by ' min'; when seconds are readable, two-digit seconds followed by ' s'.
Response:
3 h 19 min
